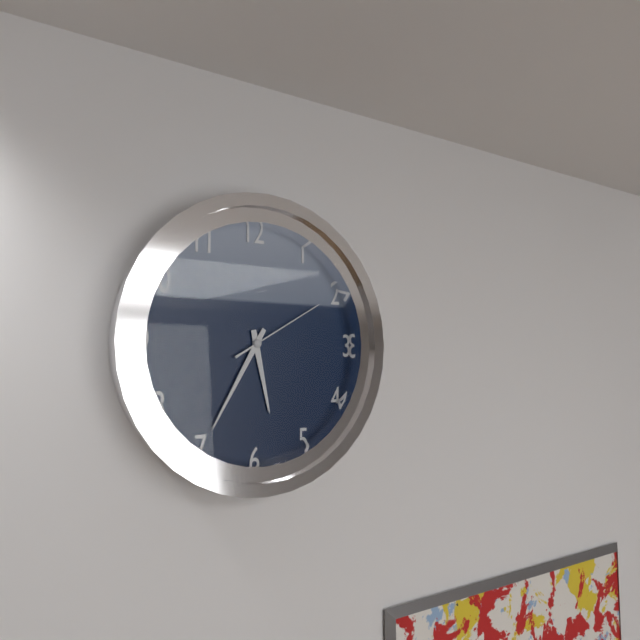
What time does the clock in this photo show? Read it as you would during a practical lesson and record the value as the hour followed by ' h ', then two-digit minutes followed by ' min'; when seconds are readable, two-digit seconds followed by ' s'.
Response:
5 h 35 min 10 s
